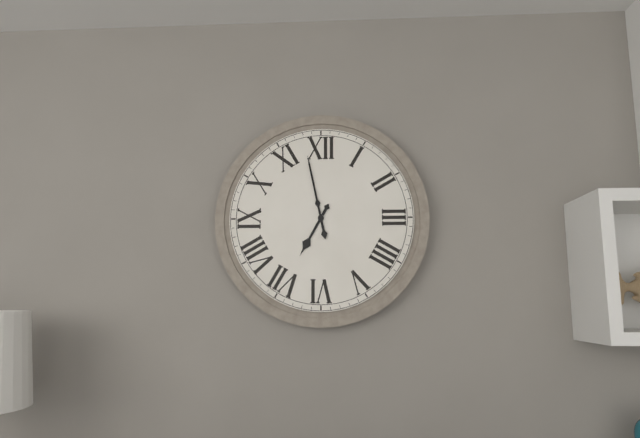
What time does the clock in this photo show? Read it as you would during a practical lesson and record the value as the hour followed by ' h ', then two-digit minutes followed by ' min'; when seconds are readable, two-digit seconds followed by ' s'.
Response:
6 h 58 min
